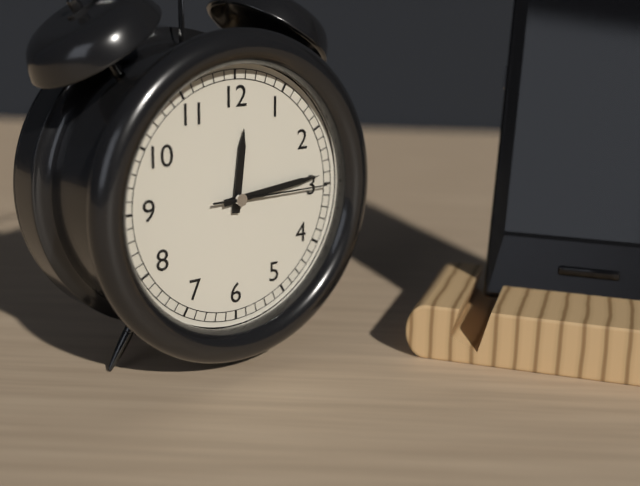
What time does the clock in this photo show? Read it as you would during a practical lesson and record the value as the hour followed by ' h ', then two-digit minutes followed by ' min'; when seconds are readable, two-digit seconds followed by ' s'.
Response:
12 h 14 min 15 s
